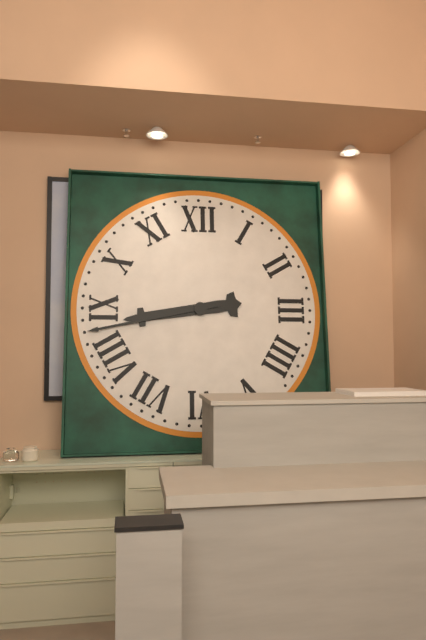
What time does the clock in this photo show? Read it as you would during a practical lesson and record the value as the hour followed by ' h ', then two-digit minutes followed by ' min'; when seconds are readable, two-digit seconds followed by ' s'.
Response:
8 h 43 min
